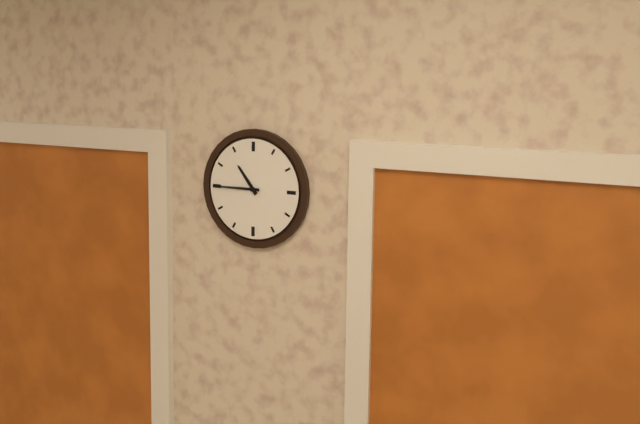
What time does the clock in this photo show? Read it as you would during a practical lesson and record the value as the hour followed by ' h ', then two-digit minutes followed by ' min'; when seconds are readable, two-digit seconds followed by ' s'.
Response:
10 h 45 min
